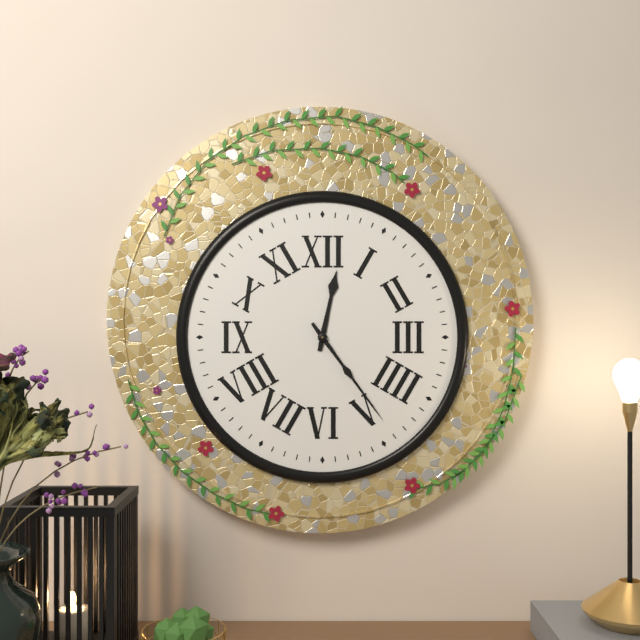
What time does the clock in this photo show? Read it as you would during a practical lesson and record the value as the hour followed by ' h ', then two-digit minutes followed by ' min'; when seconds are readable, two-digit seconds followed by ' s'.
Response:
12 h 24 min
